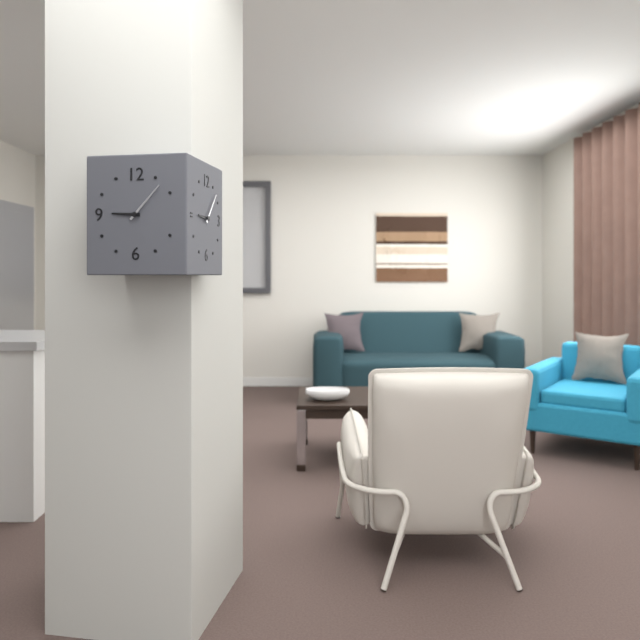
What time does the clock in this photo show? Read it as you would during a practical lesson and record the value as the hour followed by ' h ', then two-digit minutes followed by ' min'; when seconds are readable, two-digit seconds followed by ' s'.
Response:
9 h 07 min
